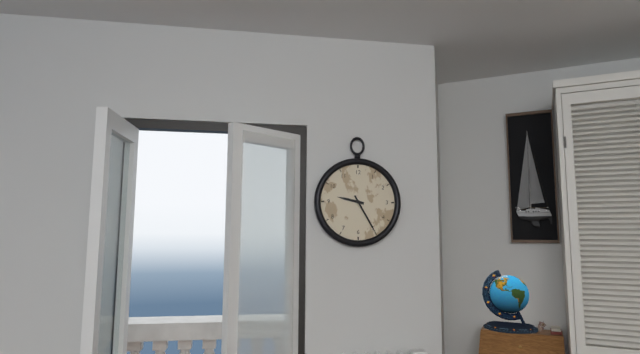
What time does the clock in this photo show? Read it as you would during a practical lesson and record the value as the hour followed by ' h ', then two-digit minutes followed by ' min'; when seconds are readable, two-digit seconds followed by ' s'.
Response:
9 h 25 min
